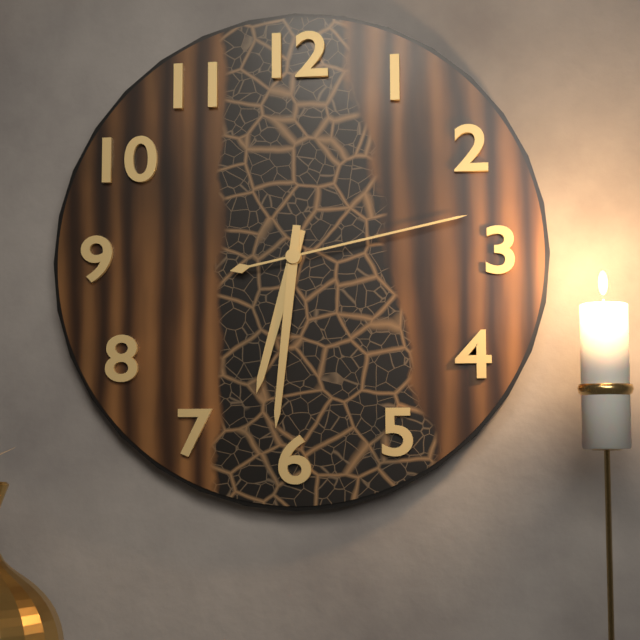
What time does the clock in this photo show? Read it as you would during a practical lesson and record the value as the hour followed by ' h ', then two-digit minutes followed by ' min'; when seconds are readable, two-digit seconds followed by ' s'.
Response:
6 h 31 min 13 s
